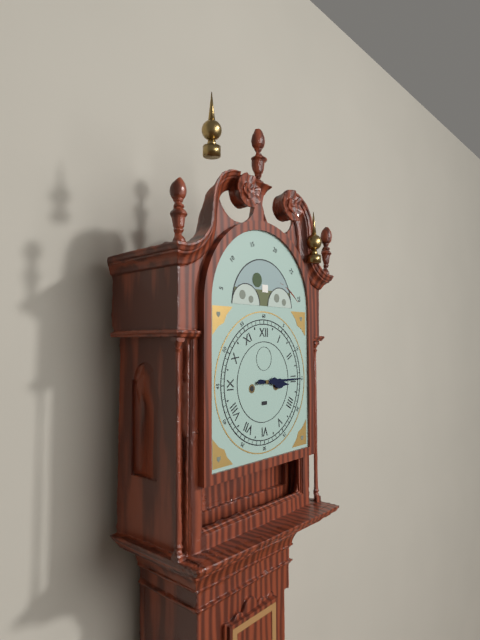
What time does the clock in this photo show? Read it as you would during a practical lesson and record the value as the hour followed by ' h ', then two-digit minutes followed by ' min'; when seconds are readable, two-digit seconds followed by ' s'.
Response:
3 h 15 min
